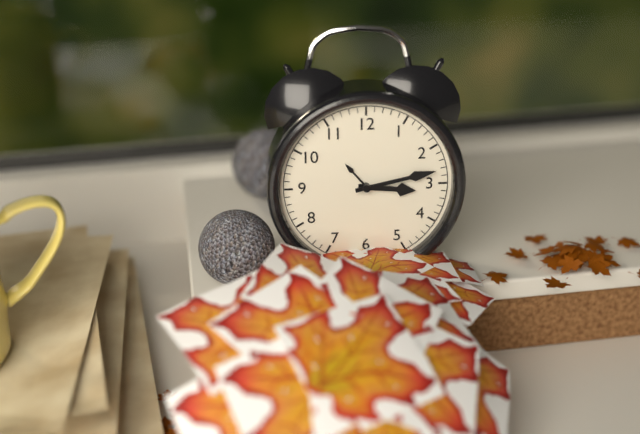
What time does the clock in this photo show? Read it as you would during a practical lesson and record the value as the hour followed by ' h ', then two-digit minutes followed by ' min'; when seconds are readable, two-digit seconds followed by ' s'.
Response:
3 h 13 min
